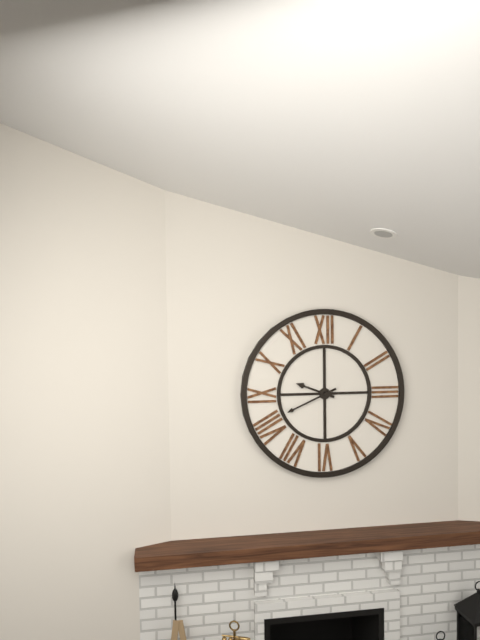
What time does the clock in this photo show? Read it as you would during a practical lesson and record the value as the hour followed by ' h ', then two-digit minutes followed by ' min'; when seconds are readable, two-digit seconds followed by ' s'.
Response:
9 h 41 min
